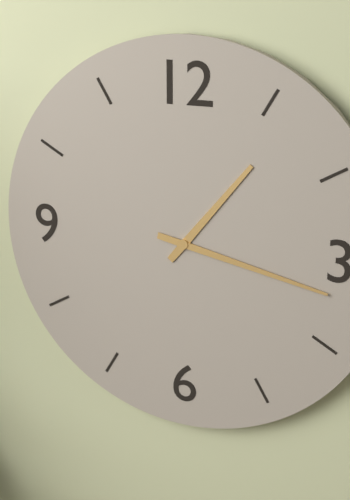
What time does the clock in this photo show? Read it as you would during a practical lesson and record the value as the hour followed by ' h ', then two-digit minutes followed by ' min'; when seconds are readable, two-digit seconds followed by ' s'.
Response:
1 h 17 min
